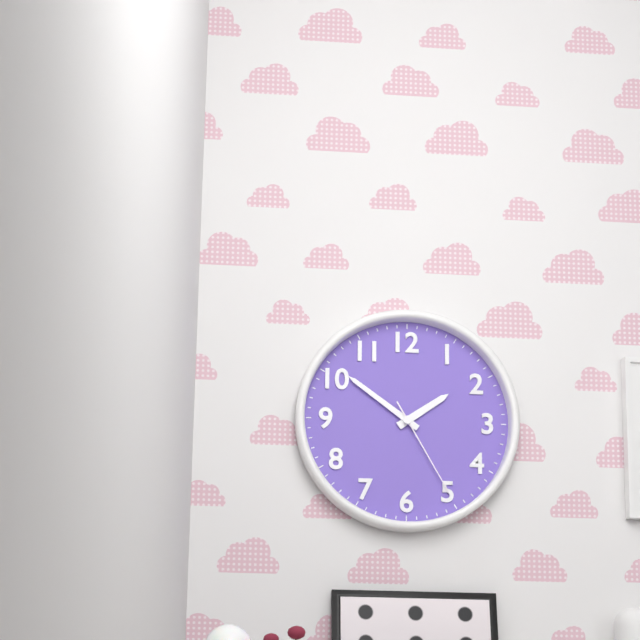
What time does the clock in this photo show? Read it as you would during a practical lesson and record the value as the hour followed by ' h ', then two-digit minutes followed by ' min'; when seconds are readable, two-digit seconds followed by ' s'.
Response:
1 h 51 min 25 s
